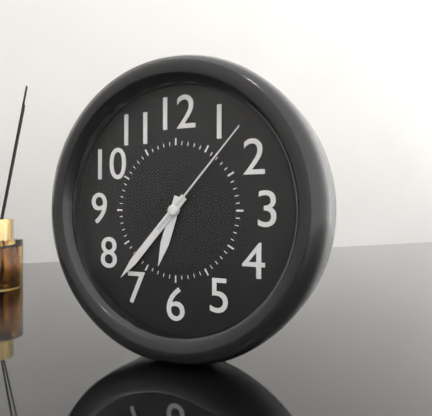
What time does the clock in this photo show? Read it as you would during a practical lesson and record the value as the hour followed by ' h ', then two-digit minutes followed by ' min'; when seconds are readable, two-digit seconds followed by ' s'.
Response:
6 h 37 min 07 s
